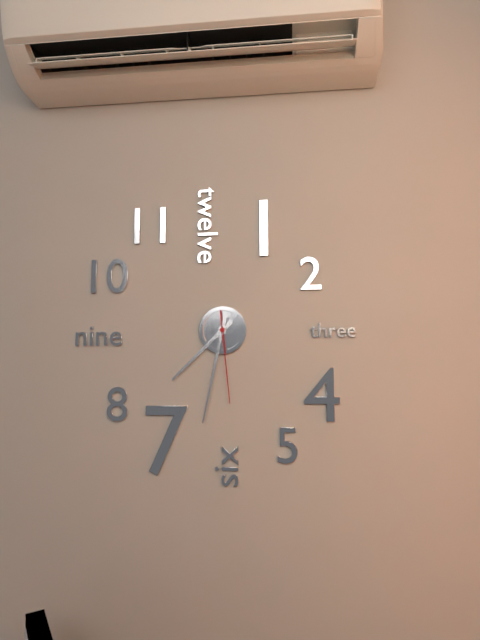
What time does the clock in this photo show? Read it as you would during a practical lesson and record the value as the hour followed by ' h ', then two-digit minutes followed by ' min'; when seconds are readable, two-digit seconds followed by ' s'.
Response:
7 h 32 min 29 s
